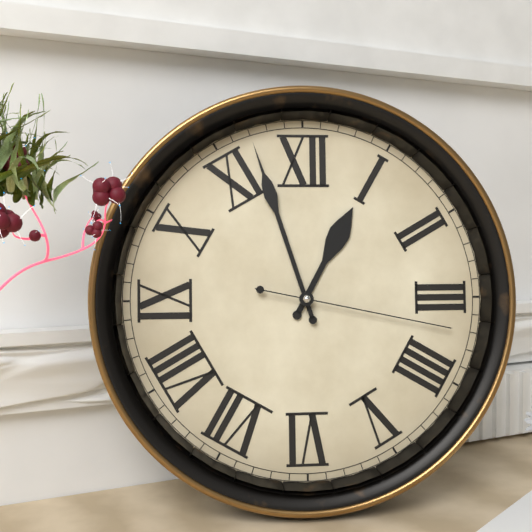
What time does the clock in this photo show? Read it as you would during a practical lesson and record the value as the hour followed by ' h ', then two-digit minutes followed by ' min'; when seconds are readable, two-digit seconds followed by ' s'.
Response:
12 h 57 min 17 s
